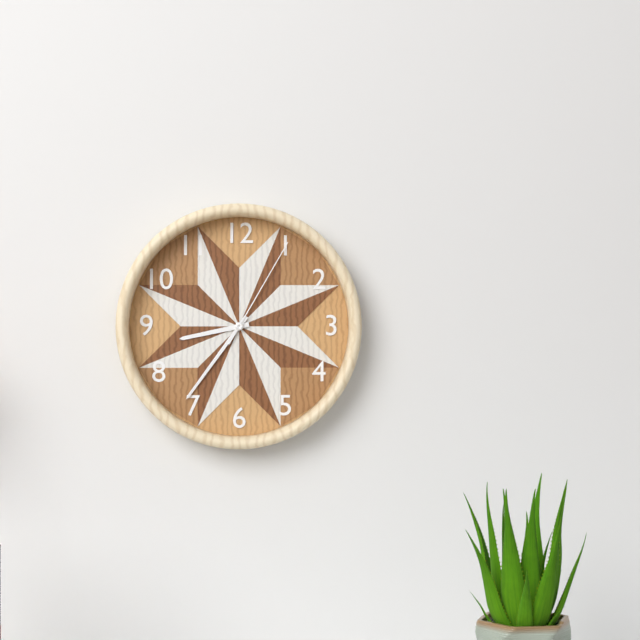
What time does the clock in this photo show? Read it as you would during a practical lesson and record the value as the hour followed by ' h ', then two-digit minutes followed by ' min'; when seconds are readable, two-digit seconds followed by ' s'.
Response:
8 h 36 min 05 s
